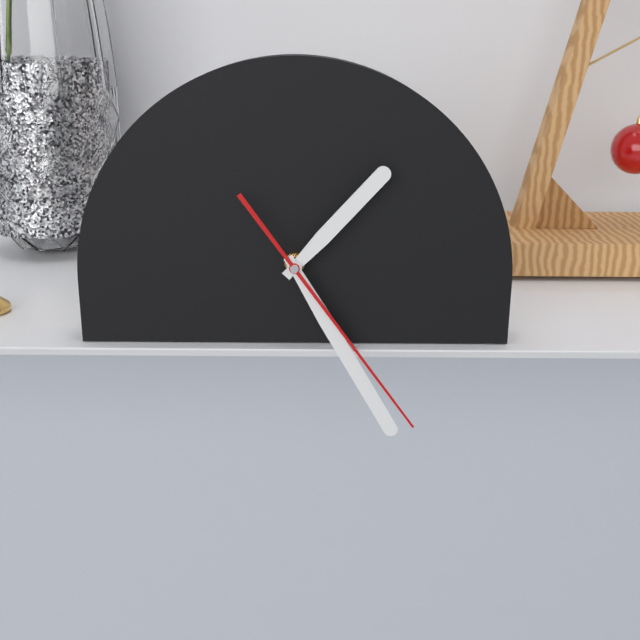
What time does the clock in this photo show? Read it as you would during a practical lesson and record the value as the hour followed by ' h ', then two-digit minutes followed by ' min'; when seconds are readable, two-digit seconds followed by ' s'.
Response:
1 h 25 min 24 s
